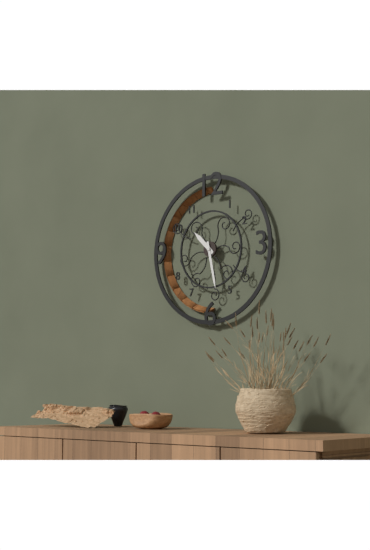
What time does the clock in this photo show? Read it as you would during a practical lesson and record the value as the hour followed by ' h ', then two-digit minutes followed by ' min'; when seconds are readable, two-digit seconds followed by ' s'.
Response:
10 h 28 min
